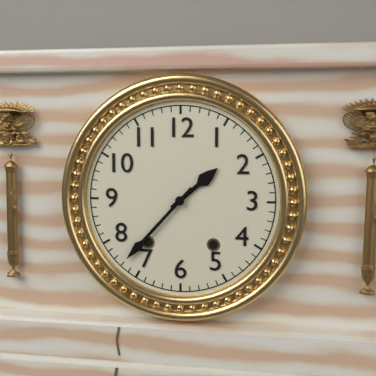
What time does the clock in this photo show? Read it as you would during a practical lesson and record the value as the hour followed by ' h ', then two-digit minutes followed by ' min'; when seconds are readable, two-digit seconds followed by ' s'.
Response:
1 h 37 min
